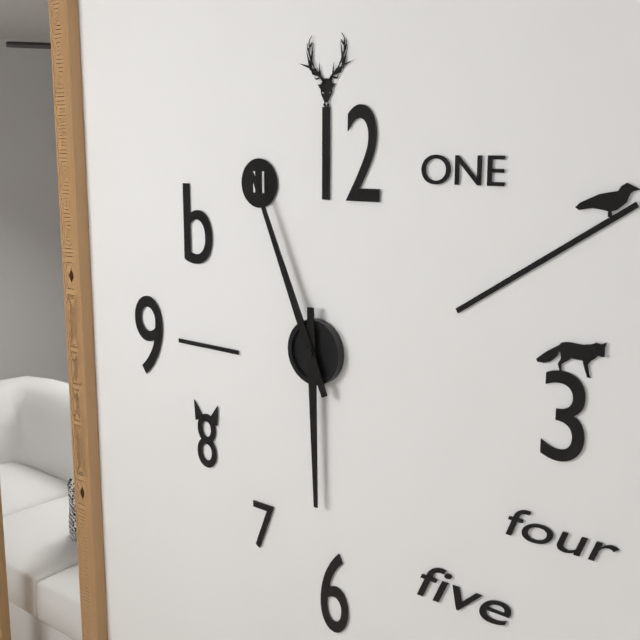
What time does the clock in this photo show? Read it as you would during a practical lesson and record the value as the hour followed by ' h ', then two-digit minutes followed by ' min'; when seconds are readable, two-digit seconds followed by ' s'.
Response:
5 h 56 min
